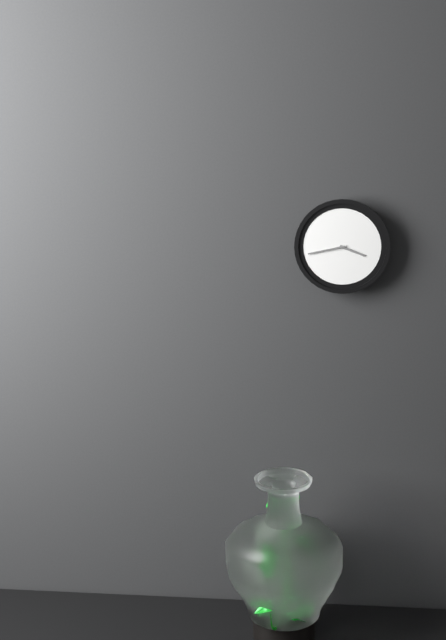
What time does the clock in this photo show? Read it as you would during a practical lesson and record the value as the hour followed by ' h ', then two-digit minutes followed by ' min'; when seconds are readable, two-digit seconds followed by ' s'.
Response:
3 h 43 min
